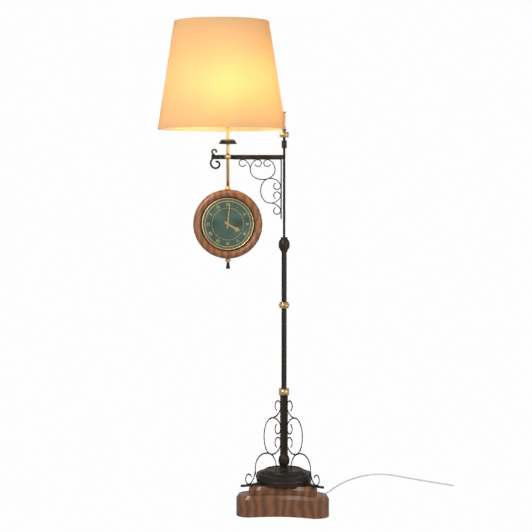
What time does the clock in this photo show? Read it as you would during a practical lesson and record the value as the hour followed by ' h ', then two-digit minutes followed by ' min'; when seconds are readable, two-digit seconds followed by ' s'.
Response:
4 h 01 min
